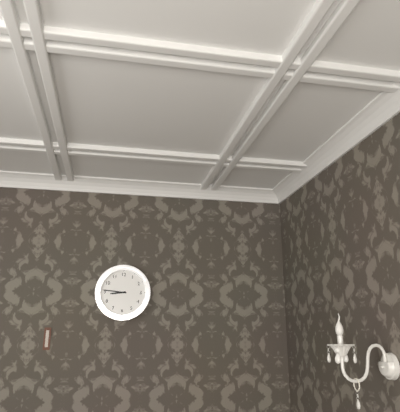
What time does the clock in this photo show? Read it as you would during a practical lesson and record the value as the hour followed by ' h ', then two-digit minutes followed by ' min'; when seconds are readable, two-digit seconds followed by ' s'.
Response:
8 h 46 min
